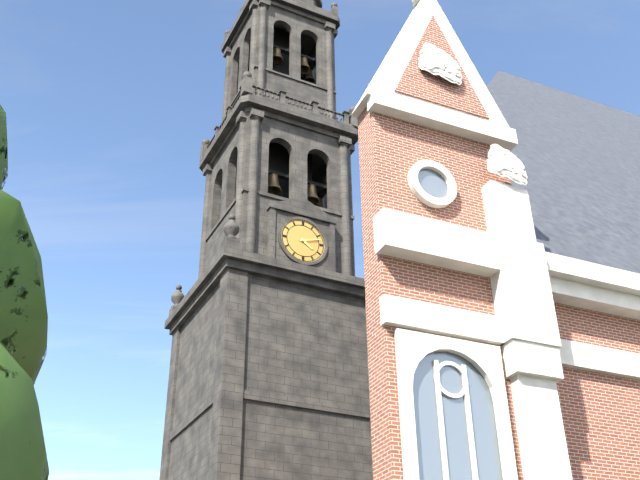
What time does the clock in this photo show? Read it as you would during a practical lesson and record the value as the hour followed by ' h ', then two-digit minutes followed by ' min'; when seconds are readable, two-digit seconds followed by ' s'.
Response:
4 h 12 min
